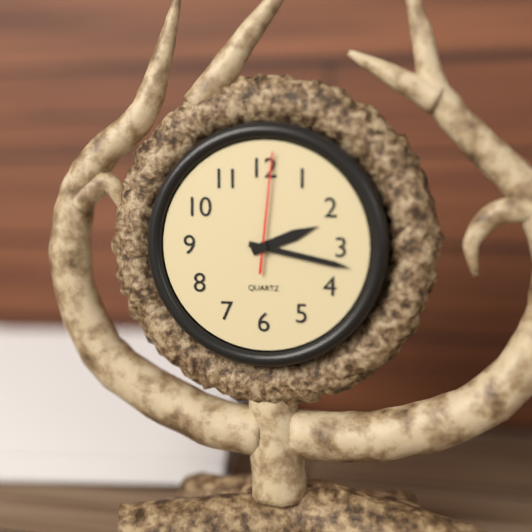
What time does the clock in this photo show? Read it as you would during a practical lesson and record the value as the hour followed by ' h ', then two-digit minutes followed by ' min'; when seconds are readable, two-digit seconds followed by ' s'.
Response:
2 h 17 min 01 s
